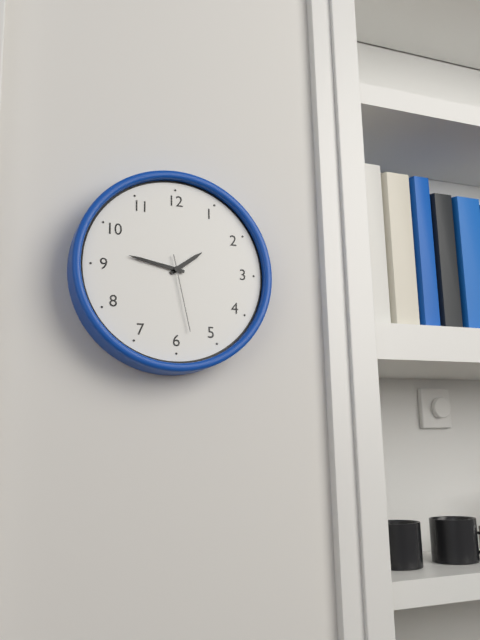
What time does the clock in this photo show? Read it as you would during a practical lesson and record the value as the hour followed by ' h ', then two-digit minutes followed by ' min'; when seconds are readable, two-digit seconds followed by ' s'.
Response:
1 h 47 min 28 s
